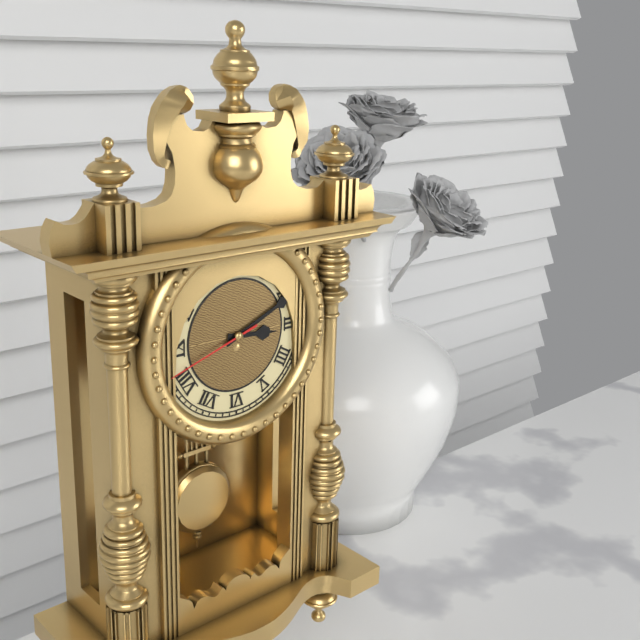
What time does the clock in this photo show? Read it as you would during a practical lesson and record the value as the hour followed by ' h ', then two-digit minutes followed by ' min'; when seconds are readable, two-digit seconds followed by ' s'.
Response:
3 h 11 min 42 s
